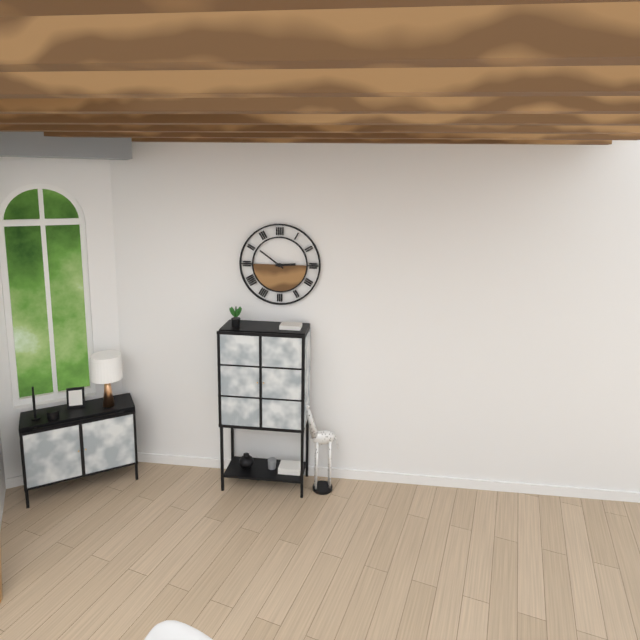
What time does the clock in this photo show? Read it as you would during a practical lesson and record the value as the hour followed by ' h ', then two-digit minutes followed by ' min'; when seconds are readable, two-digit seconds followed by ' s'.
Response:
2 h 51 min
